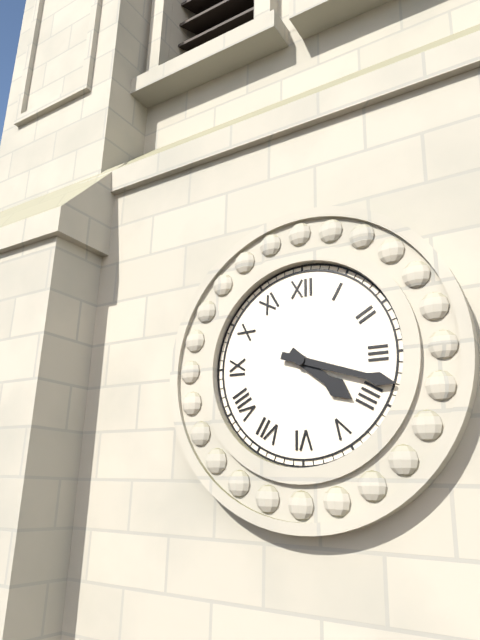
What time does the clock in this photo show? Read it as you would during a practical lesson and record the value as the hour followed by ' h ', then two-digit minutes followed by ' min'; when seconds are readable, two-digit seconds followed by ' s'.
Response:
4 h 18 min
